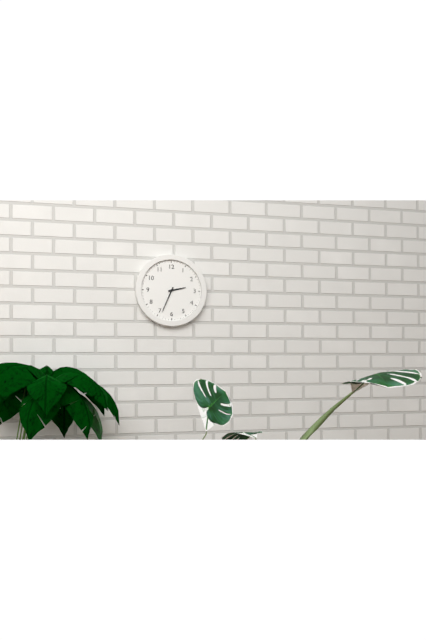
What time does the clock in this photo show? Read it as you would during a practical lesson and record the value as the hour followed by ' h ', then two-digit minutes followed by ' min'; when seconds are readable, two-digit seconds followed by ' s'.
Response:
2 h 34 min
